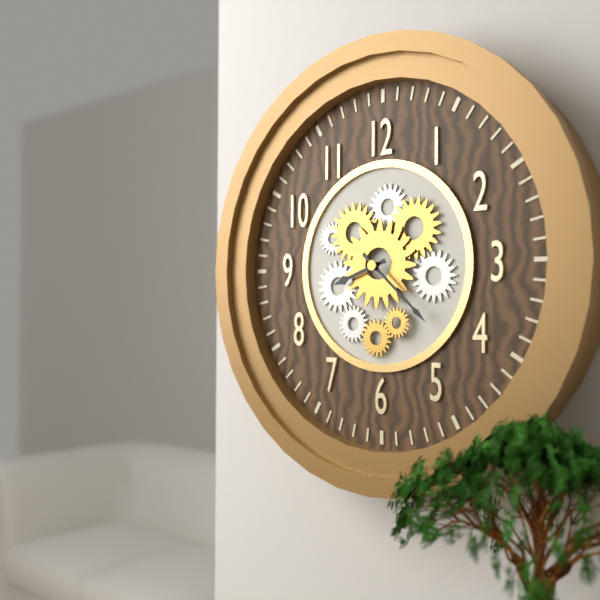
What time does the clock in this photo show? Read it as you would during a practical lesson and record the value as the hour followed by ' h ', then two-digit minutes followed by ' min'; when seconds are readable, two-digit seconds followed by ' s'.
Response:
8 h 22 min
